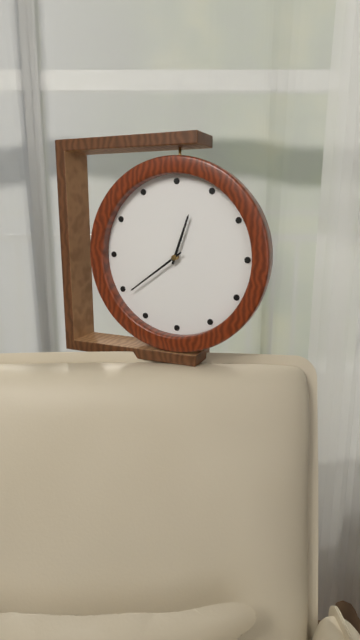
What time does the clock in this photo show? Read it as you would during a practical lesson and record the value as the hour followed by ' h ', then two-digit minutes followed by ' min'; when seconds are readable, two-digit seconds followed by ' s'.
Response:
12 h 39 min
